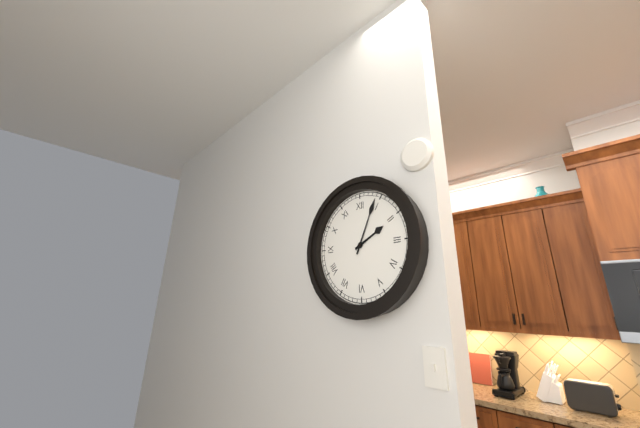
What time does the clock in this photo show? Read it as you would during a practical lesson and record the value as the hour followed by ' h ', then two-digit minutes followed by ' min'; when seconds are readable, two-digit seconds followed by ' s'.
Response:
2 h 04 min
